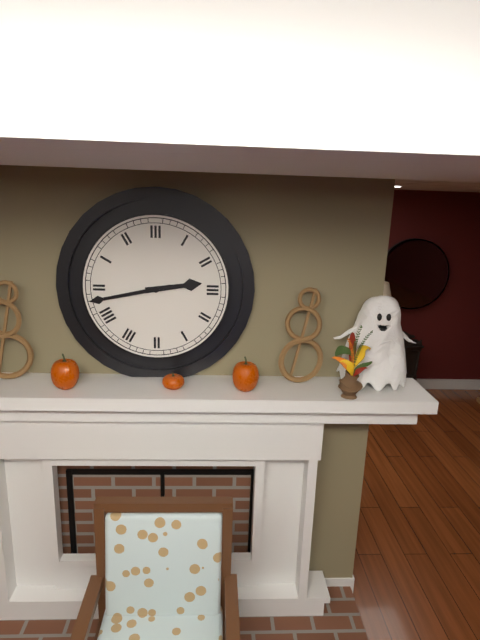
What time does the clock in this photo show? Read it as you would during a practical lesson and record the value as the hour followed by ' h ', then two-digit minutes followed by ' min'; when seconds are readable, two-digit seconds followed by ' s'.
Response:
2 h 43 min
